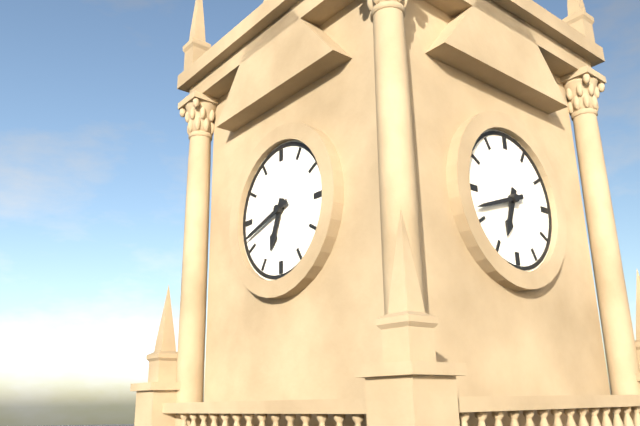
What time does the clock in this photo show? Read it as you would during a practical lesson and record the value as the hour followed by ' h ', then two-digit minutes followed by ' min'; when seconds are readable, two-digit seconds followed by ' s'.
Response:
6 h 42 min
